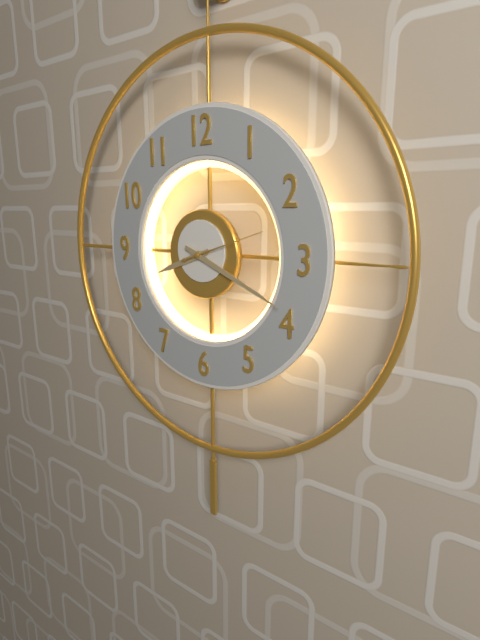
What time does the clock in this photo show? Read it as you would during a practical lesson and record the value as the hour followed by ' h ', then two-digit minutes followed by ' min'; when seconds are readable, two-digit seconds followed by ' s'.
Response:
8 h 19 min 12 s
